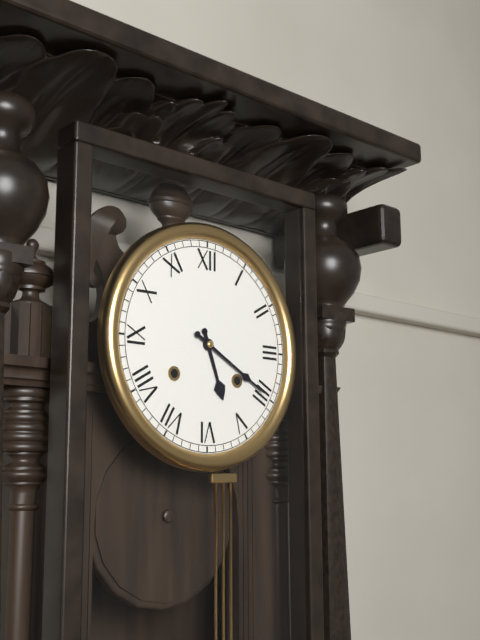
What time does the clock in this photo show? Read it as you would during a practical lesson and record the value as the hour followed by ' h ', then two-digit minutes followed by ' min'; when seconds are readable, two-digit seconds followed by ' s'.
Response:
5 h 20 min
